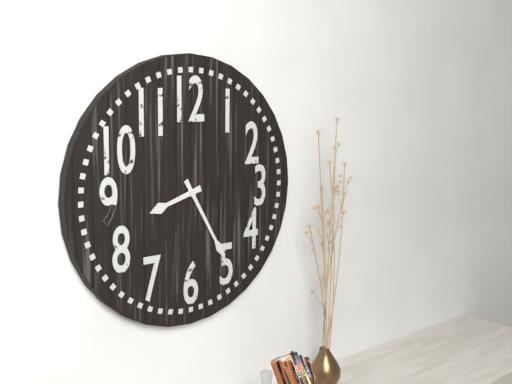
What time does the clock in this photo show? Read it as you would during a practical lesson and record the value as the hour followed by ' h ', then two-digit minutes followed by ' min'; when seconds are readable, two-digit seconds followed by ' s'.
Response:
8 h 25 min
